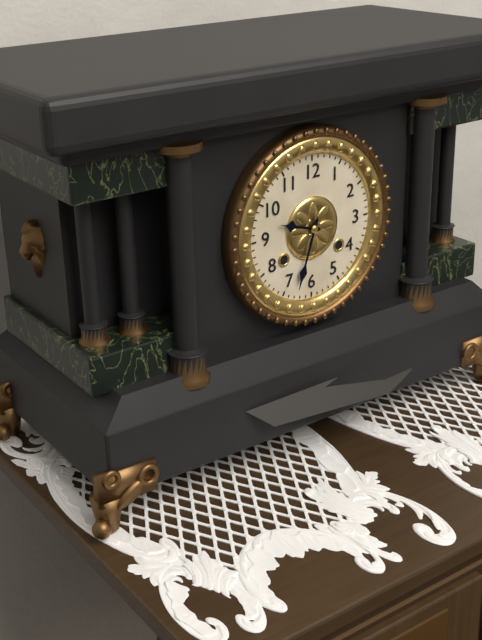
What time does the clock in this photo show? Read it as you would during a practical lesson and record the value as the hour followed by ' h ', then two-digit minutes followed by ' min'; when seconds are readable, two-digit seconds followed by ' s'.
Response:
9 h 33 min
